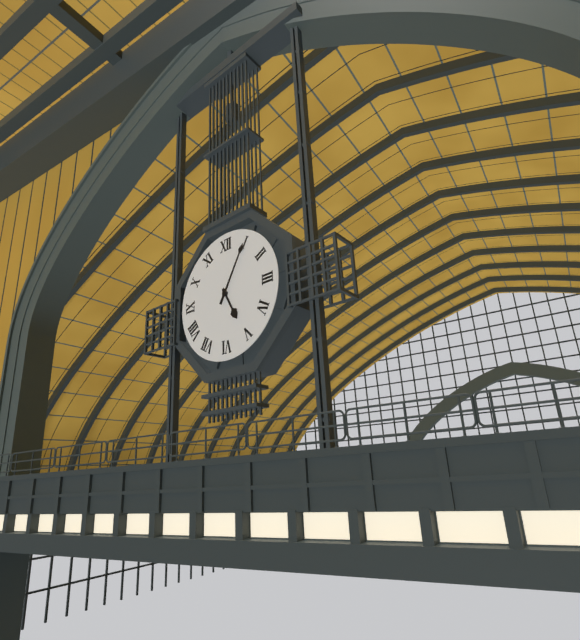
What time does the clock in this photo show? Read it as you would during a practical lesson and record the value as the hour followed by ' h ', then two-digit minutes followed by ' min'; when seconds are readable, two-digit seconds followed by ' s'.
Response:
5 h 05 min
